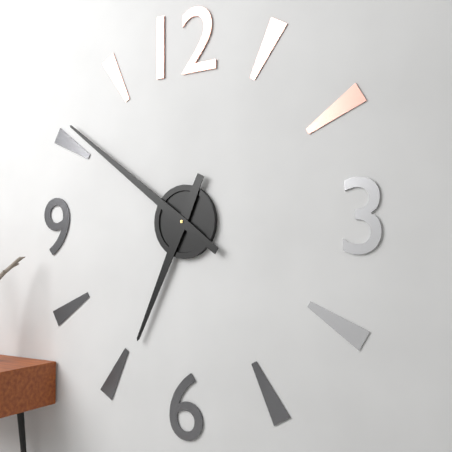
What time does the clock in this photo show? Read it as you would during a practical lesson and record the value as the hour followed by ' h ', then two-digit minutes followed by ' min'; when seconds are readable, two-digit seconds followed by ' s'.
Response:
6 h 51 min
